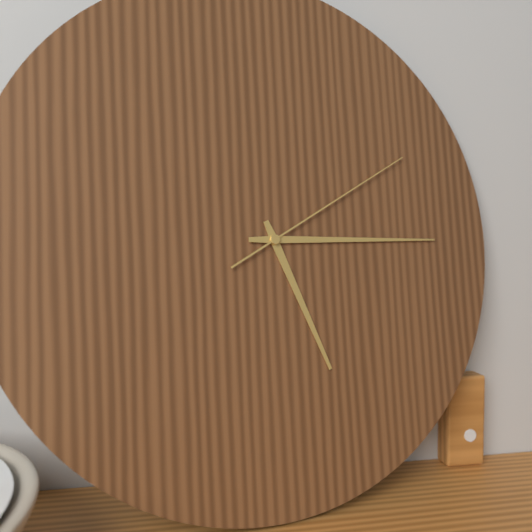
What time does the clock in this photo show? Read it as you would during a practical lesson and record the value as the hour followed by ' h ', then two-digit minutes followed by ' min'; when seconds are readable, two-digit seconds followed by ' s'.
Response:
5 h 15 min 10 s
